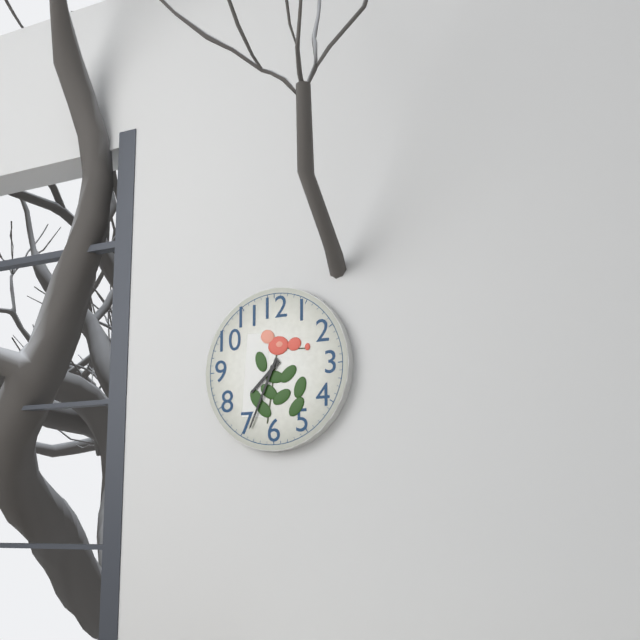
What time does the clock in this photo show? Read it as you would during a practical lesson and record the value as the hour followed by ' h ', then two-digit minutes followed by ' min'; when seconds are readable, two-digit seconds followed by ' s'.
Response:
7 h 34 min
